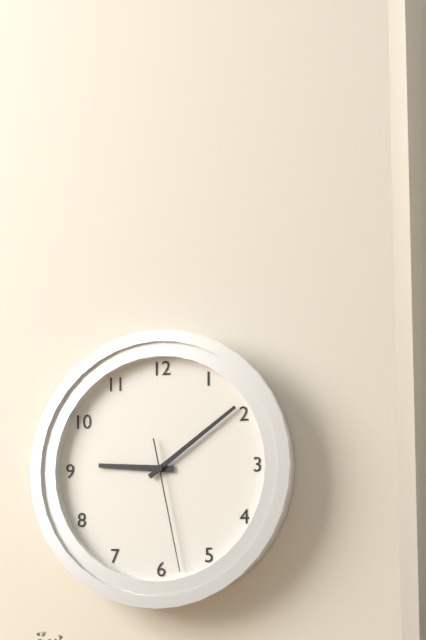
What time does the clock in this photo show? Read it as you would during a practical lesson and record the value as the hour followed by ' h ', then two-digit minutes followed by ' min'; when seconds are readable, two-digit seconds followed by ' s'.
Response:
9 h 09 min 28 s
